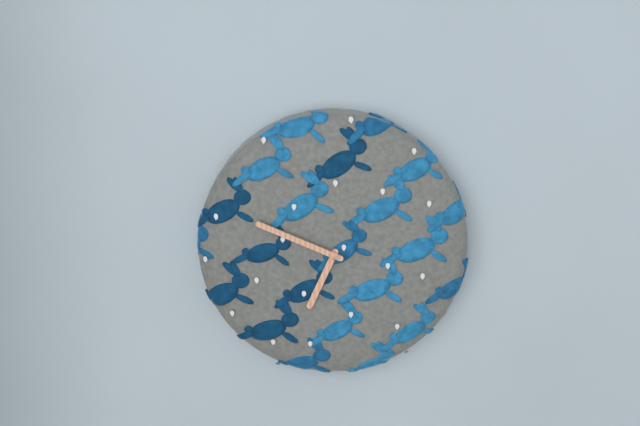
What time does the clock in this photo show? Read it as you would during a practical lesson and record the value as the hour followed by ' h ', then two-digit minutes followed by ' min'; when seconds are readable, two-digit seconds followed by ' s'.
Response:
6 h 49 min
